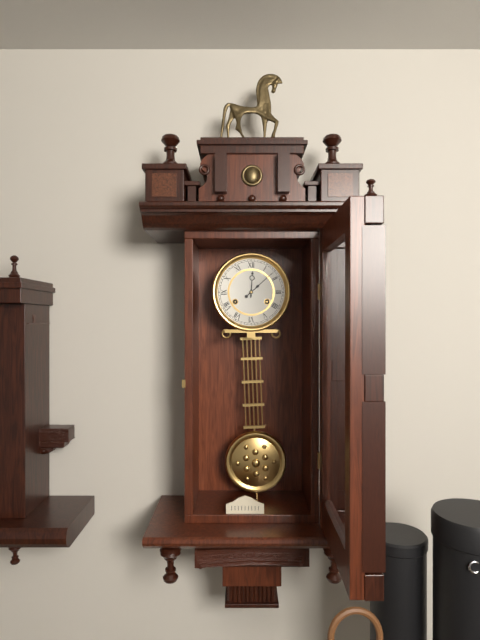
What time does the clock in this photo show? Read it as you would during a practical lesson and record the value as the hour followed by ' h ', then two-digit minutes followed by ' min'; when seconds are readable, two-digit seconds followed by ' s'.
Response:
12 h 08 min
